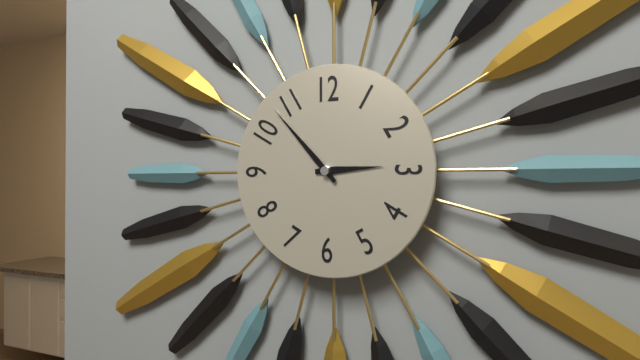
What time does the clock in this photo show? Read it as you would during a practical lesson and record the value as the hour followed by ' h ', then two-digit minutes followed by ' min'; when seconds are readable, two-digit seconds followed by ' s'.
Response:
2 h 53 min
